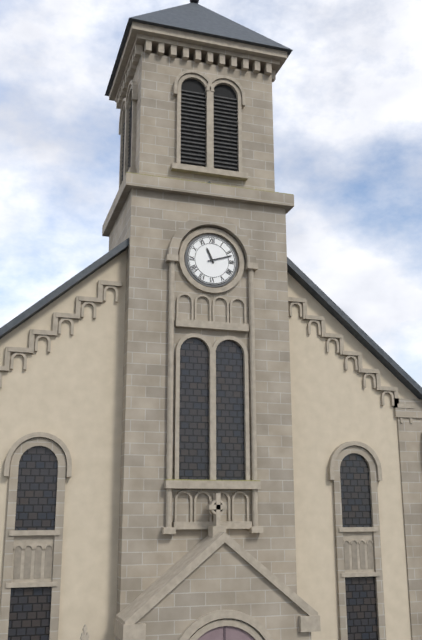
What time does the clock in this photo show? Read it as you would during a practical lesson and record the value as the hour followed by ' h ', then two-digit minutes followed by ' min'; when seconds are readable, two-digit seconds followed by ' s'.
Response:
11 h 12 min
